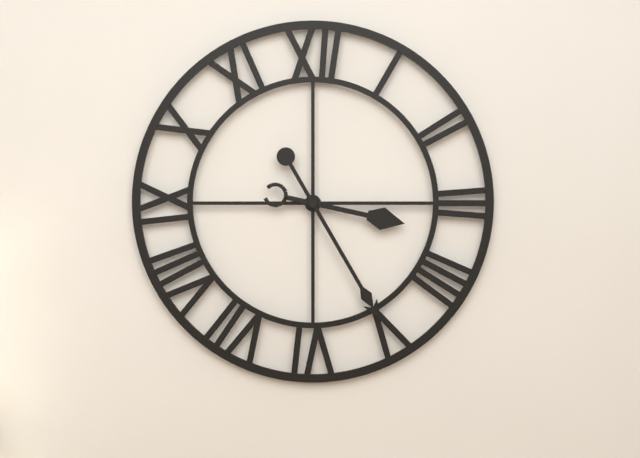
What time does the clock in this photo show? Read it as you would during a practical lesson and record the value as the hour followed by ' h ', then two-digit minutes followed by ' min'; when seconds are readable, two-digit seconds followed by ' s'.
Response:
3 h 25 min
